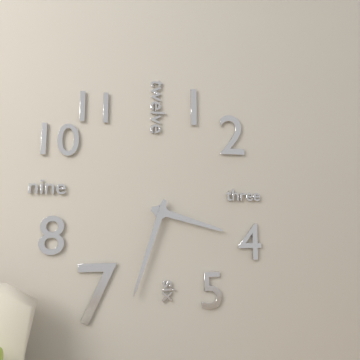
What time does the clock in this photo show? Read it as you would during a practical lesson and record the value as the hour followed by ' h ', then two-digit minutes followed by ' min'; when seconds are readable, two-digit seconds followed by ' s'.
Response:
3 h 33 min
